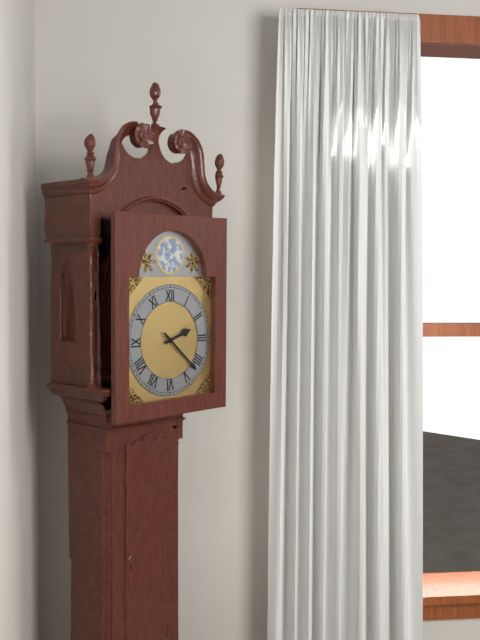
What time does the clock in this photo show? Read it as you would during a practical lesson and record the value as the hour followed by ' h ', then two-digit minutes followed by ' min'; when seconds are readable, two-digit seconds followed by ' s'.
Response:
2 h 22 min
